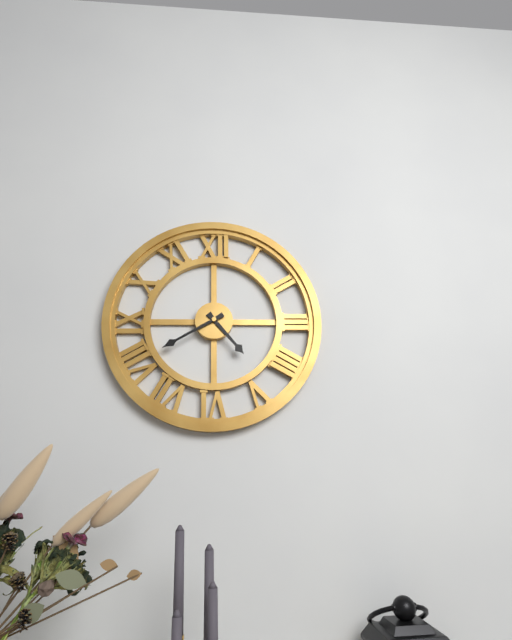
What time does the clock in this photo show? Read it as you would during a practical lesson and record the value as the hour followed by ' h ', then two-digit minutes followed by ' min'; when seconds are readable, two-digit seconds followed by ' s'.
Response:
4 h 40 min
